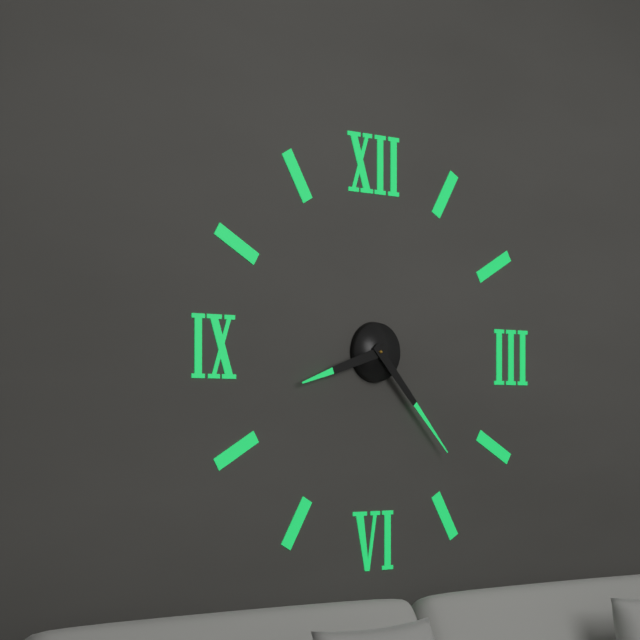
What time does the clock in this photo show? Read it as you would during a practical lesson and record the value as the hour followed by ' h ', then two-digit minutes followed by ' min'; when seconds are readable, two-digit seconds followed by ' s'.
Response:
8 h 23 min
